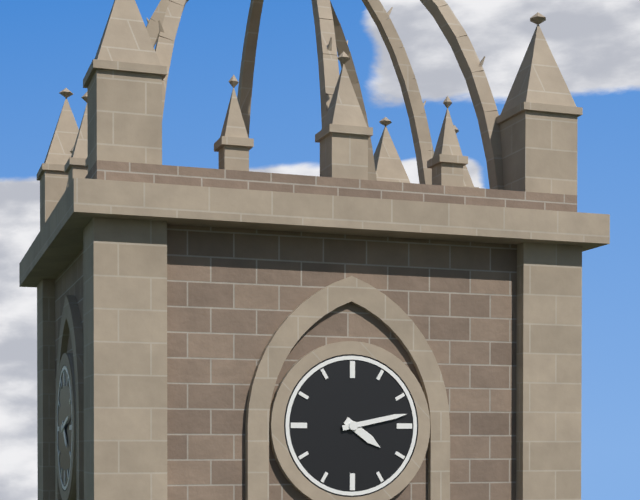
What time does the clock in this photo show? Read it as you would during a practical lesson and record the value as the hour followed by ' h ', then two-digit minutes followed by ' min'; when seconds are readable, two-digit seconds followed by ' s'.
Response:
4 h 13 min
